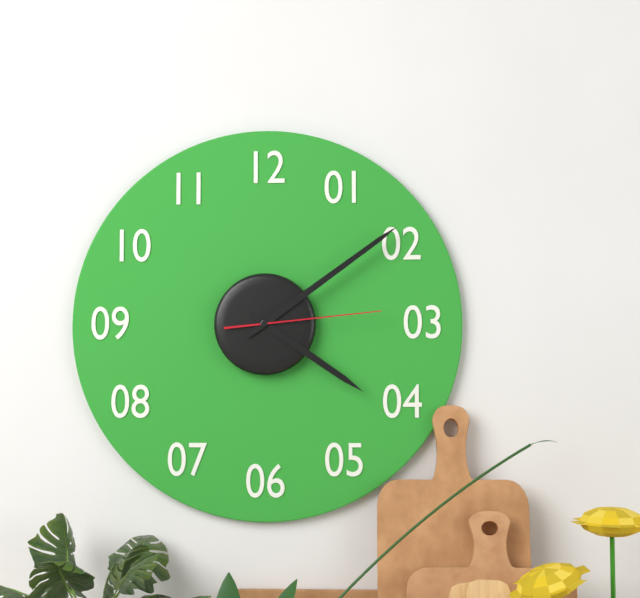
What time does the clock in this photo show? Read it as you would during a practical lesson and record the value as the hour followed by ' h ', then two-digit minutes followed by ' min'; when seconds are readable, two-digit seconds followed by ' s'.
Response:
4 h 09 min 14 s
